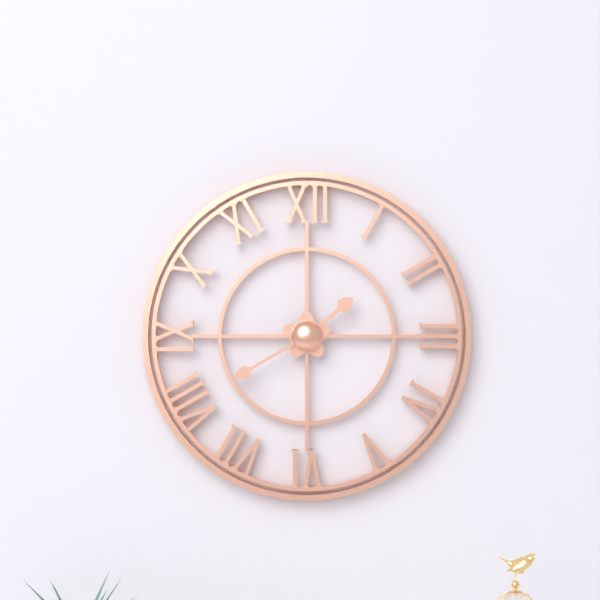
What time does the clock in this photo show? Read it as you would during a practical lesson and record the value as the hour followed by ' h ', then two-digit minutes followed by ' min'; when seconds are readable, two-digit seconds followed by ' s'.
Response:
1 h 40 min
